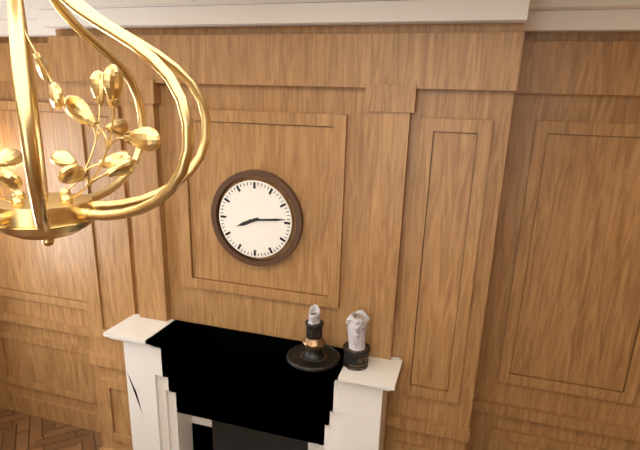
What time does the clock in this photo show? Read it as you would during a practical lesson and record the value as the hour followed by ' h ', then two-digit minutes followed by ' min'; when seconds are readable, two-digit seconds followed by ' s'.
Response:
8 h 14 min
